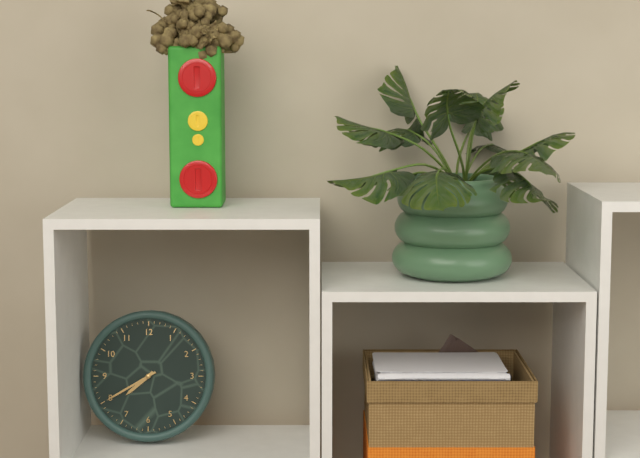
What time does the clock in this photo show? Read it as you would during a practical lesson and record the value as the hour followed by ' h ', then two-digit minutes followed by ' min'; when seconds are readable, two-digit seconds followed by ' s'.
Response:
7 h 40 min
